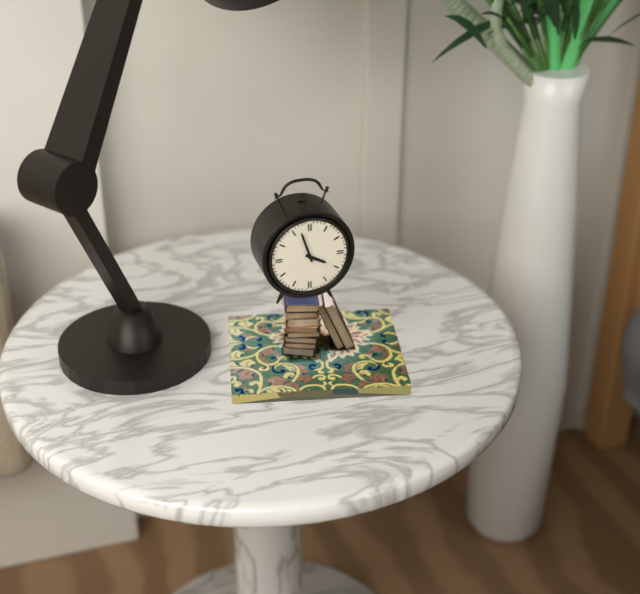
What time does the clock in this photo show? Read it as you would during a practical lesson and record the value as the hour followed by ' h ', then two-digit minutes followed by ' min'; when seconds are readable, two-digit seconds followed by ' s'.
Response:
3 h 57 min
